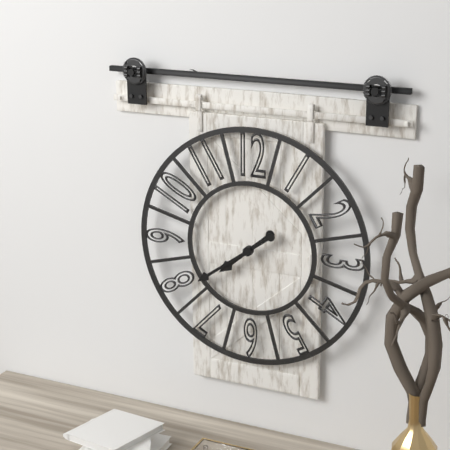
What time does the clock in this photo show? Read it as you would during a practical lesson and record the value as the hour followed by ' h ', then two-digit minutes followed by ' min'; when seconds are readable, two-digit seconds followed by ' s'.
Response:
7 h 39 min
